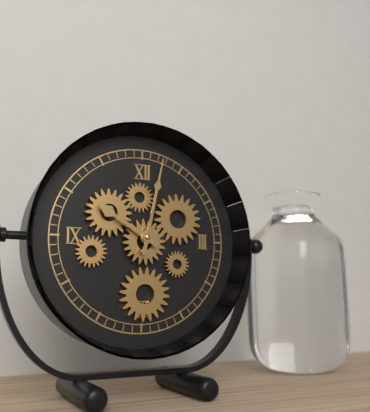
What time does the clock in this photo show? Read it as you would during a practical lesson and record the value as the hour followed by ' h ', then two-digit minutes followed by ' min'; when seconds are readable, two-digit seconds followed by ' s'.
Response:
10 h 02 min
